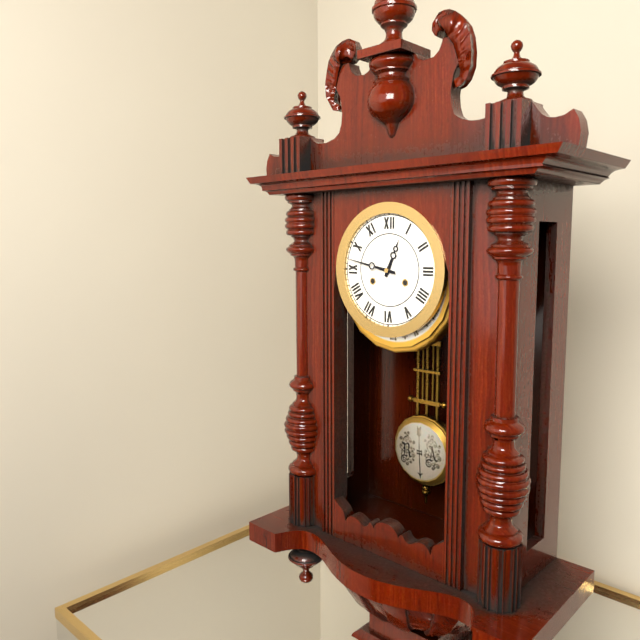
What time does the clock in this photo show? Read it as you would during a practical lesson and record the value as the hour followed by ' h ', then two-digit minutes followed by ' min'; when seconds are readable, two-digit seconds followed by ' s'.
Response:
12 h 47 min
